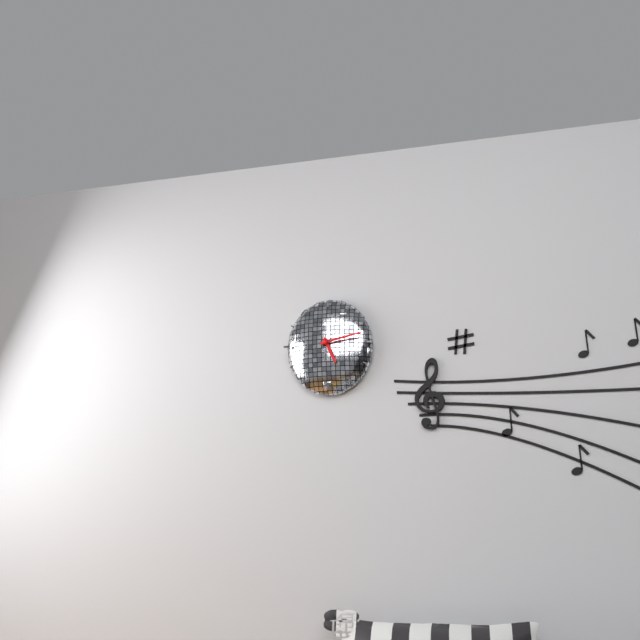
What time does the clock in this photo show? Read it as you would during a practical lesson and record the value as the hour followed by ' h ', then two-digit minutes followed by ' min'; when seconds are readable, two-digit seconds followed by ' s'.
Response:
5 h 13 min
